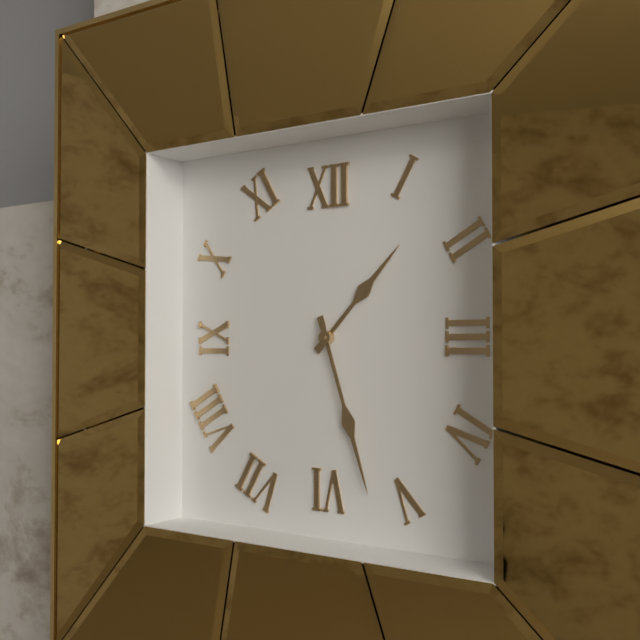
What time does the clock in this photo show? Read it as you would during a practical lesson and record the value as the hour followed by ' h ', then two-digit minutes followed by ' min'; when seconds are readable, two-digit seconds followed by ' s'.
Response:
1 h 27 min
